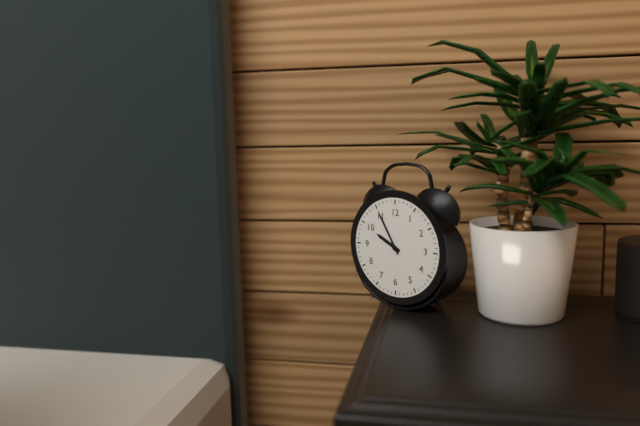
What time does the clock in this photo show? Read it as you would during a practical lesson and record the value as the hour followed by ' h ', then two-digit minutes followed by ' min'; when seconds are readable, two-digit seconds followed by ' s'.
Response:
9 h 55 min
